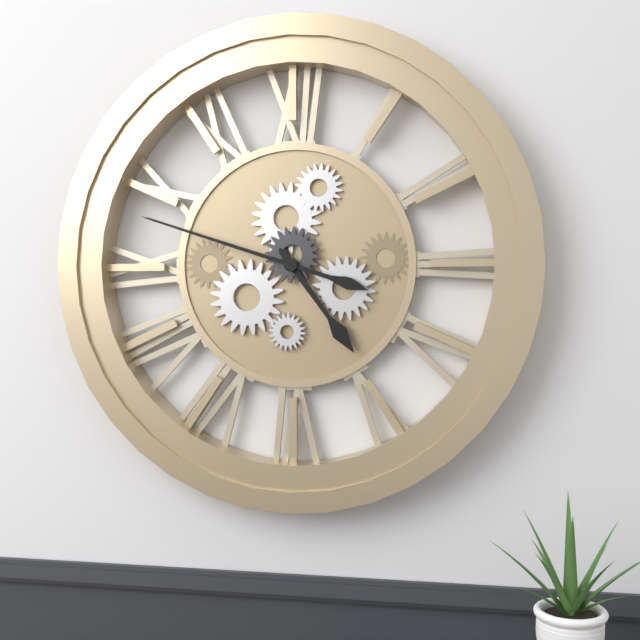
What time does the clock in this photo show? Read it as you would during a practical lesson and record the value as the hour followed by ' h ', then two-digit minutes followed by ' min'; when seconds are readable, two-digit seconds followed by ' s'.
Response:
4 h 48 min
